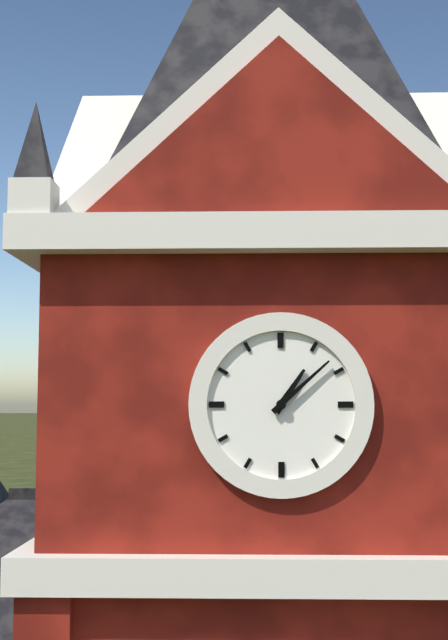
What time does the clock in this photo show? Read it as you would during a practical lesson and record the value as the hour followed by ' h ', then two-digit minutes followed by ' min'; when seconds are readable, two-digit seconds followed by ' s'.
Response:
1 h 08 min
